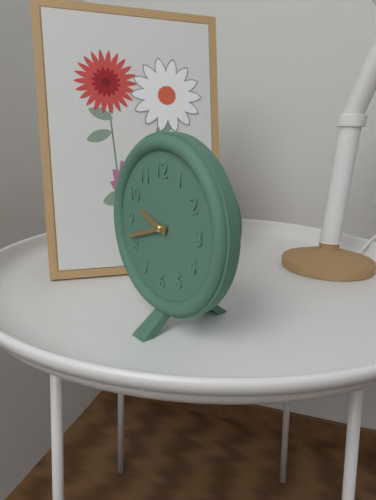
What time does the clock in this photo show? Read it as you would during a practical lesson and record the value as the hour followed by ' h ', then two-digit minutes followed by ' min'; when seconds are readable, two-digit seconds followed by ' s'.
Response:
9 h 42 min
